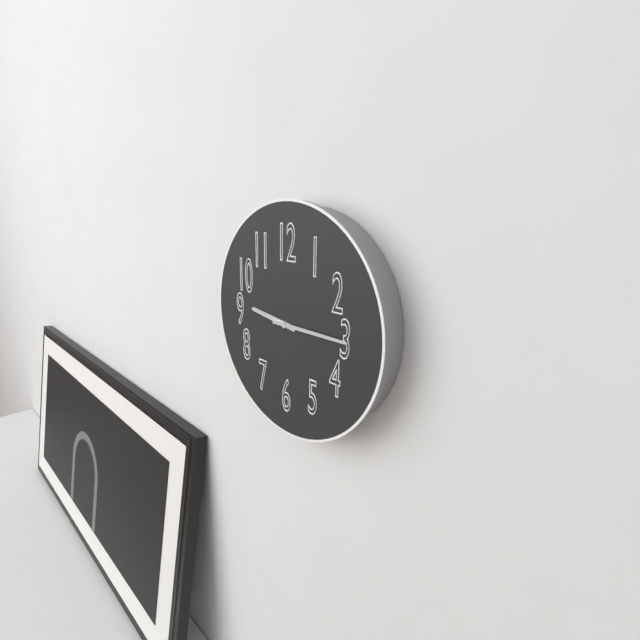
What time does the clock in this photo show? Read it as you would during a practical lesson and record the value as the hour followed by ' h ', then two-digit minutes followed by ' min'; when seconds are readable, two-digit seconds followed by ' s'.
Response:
9 h 15 min
